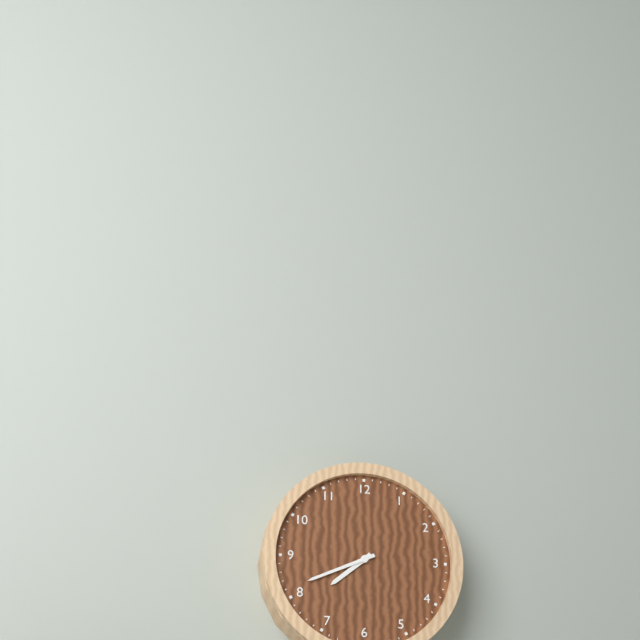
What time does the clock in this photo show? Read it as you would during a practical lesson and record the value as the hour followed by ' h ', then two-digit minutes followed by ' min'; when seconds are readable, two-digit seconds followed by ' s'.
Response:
7 h 41 min
